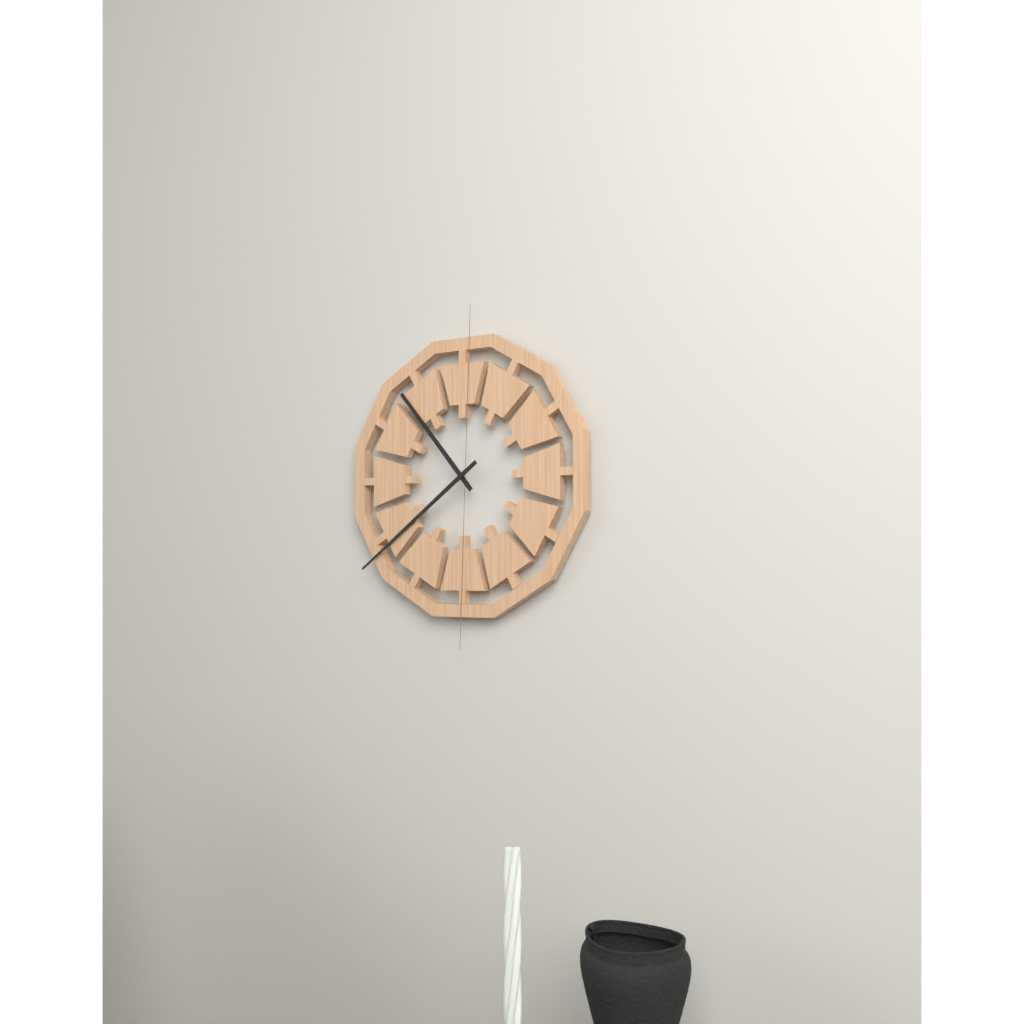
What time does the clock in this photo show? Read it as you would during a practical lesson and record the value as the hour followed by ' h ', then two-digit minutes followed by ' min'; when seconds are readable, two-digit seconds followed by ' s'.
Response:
10 h 39 min
